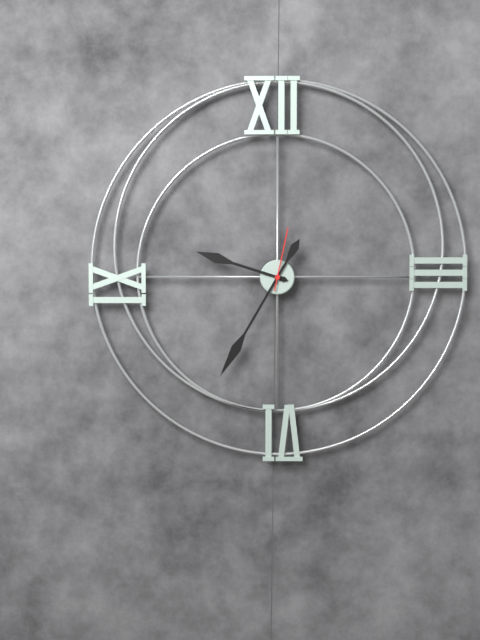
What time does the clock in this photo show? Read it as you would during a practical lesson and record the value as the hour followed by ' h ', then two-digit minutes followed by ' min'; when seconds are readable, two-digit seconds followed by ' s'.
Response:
9 h 35 min 02 s
